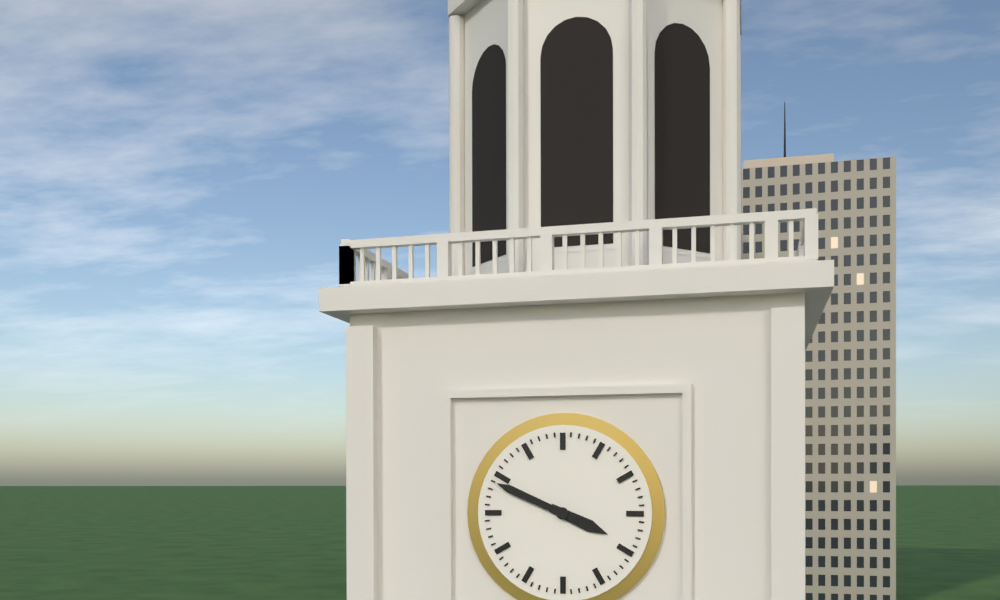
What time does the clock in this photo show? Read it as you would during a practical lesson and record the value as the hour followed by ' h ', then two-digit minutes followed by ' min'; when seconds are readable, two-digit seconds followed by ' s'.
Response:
3 h 49 min
